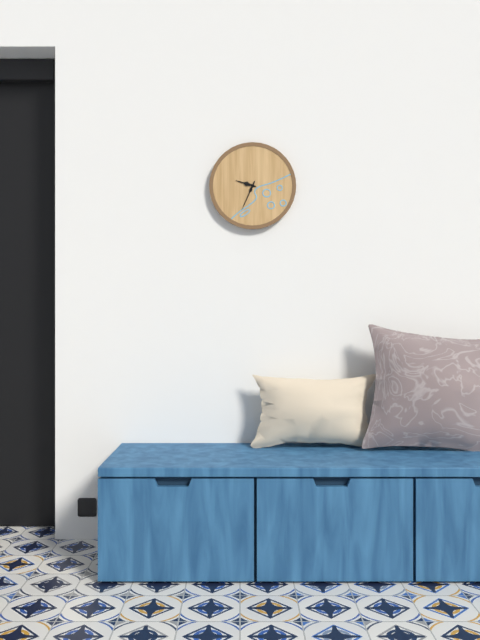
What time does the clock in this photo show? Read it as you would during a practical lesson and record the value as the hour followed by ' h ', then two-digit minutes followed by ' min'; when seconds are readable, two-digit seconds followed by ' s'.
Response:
9 h 34 min
